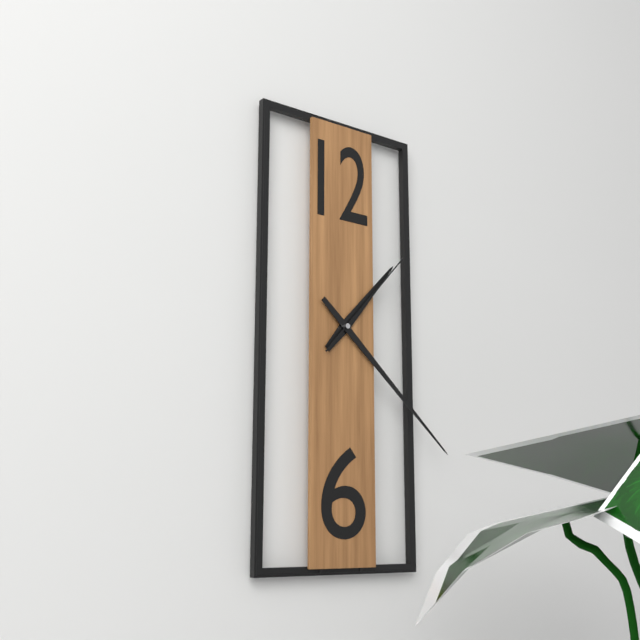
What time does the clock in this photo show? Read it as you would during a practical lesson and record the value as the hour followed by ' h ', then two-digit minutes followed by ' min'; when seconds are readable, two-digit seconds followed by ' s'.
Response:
1 h 22 min 07 s
